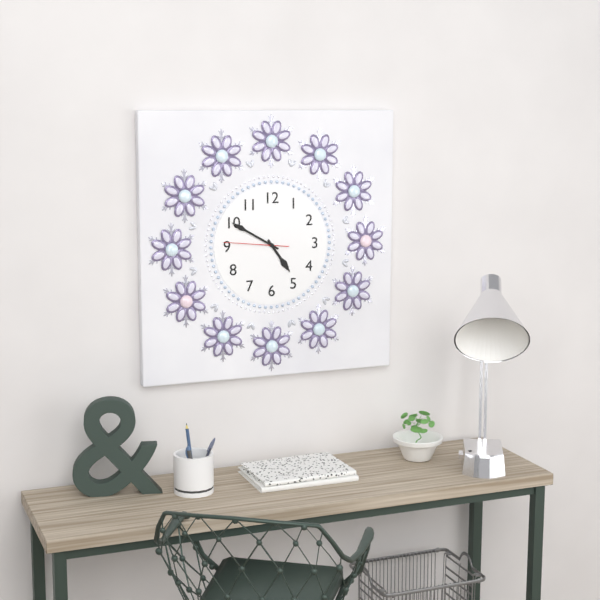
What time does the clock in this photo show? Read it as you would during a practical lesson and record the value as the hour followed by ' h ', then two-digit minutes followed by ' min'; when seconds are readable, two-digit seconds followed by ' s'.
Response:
4 h 50 min 46 s
